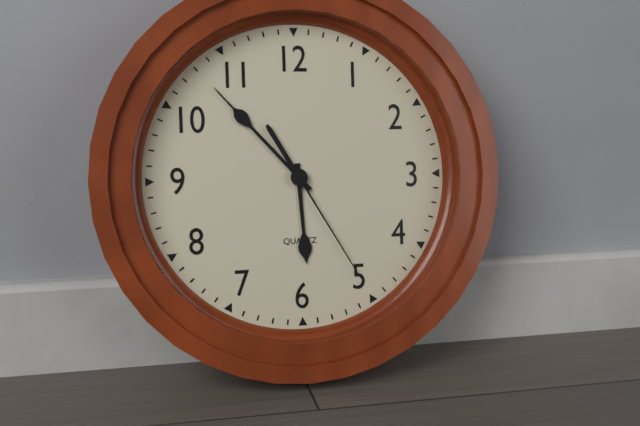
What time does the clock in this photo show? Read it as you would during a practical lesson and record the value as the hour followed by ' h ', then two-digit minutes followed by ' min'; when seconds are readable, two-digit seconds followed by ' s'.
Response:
5 h 53 min 25 s
